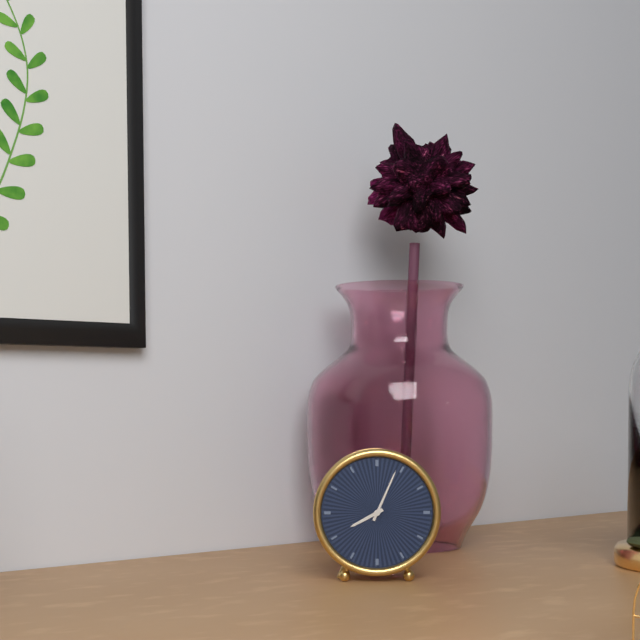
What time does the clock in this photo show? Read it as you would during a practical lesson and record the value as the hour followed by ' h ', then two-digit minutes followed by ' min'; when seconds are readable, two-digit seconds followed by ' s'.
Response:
8 h 04 min
